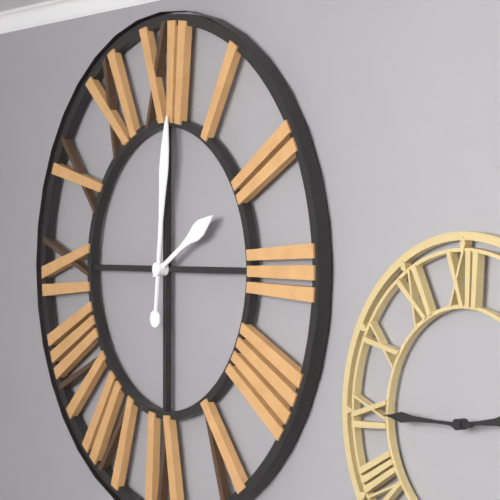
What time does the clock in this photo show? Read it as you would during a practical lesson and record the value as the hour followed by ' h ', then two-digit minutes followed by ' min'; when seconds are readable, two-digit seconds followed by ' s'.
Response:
2 h 01 min
